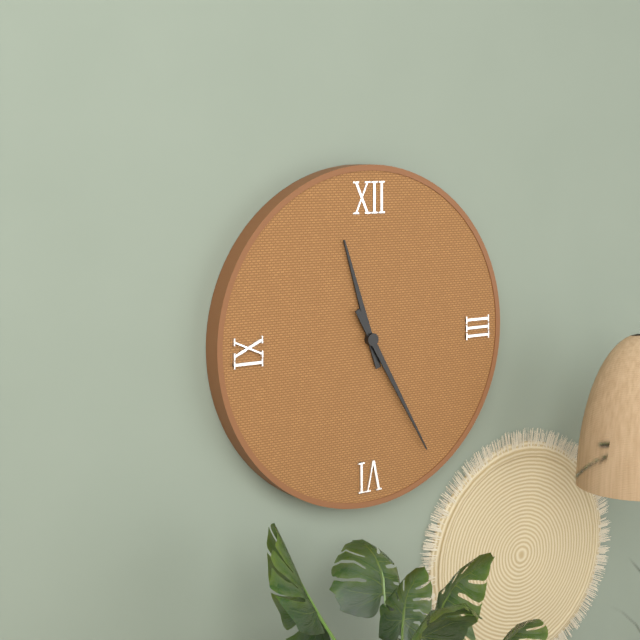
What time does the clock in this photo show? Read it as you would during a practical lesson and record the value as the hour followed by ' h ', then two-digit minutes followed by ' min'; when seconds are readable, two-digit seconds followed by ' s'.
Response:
11 h 25 min
